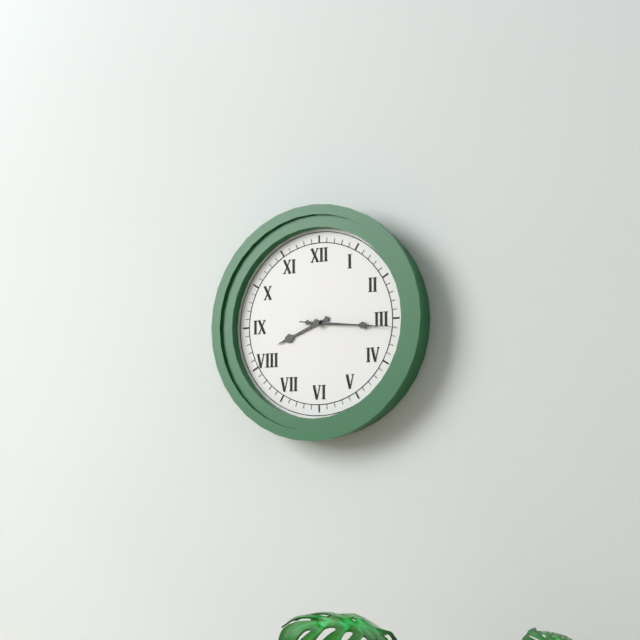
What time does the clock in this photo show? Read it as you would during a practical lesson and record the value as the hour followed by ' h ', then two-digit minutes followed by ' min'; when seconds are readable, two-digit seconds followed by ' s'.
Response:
8 h 16 min 16 s
